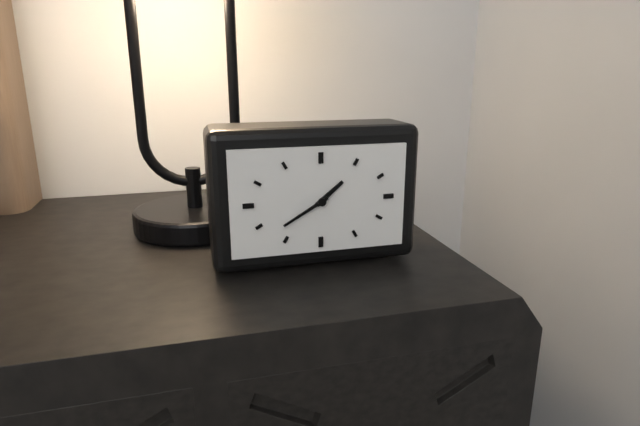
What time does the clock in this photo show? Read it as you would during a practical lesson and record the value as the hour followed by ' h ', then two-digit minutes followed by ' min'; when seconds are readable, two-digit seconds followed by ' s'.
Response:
1 h 40 min
